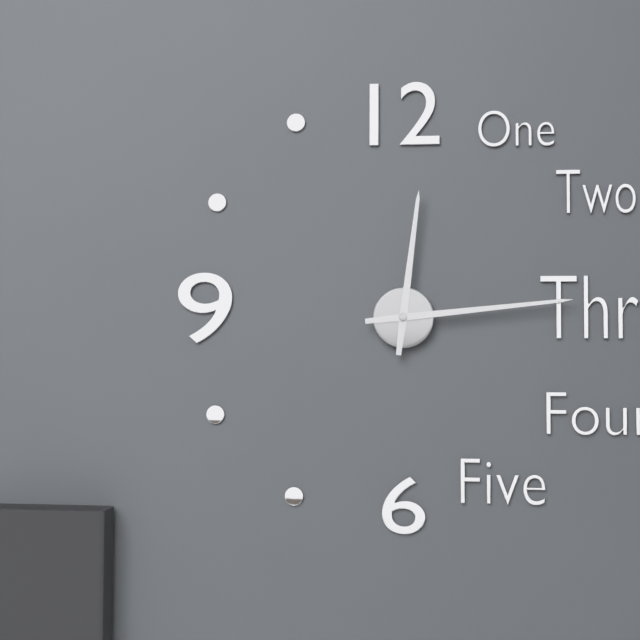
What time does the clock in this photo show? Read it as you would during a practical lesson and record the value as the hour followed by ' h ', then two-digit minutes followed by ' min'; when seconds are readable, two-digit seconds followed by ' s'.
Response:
12 h 14 min
